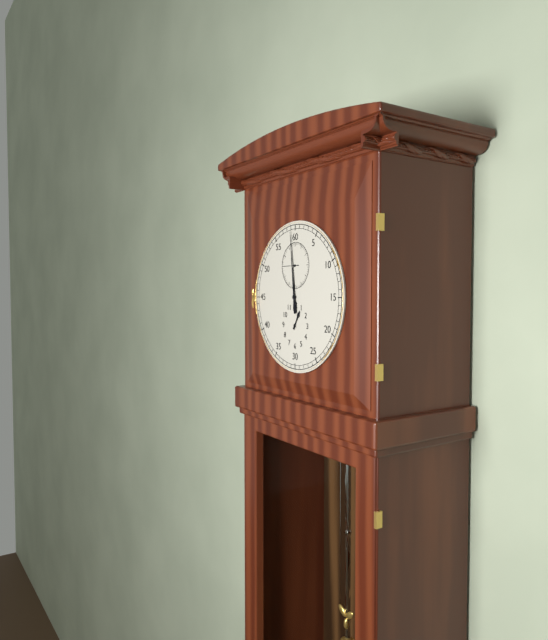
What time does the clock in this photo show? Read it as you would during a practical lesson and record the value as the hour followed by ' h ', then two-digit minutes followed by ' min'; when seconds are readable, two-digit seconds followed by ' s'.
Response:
12 h 59 min
